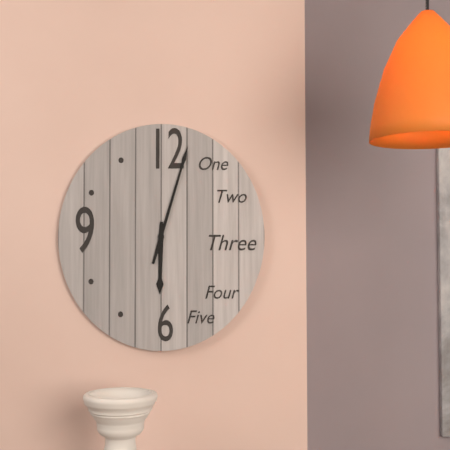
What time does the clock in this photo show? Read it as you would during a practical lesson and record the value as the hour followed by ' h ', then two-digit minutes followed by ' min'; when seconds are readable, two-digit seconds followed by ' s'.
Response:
6 h 03 min
